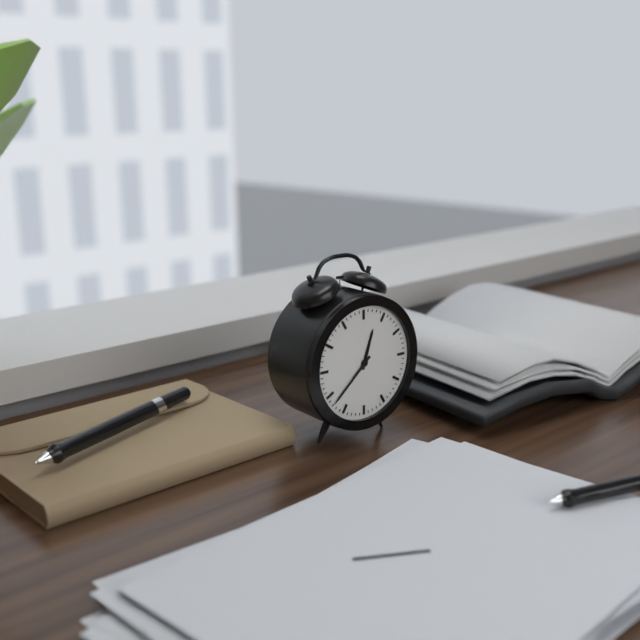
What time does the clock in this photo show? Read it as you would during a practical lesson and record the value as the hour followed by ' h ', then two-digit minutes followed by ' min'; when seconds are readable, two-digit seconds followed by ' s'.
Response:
12 h 38 min
